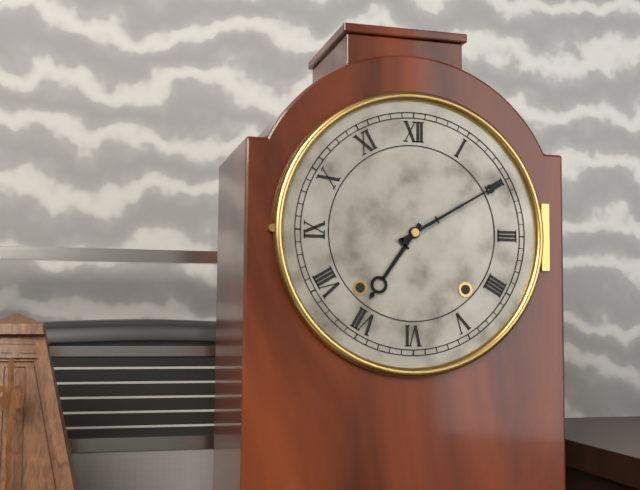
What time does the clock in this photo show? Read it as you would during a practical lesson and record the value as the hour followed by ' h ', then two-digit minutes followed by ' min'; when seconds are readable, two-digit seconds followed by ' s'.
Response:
7 h 10 min
